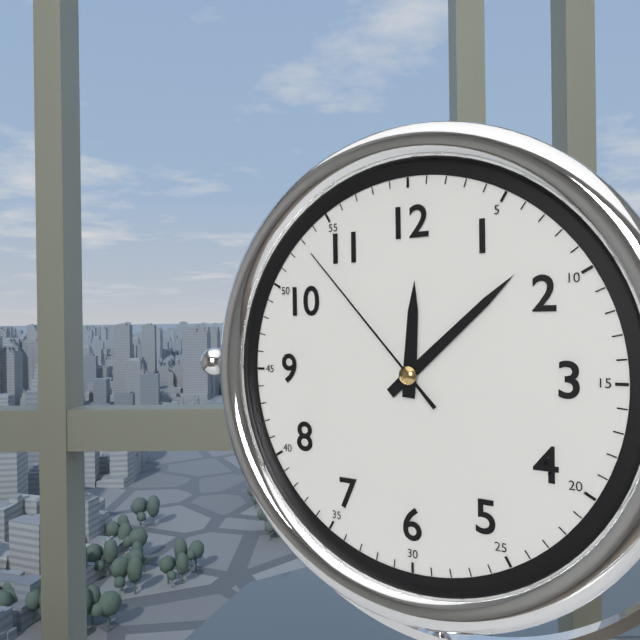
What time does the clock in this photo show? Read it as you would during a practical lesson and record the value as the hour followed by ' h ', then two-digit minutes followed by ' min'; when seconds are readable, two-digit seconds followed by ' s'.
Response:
12 h 08 min 53 s
